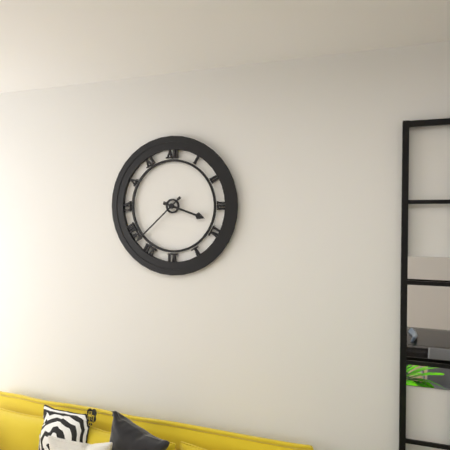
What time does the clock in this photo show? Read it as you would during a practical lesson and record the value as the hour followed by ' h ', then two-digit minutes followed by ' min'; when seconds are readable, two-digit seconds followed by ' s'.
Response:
3 h 38 min
